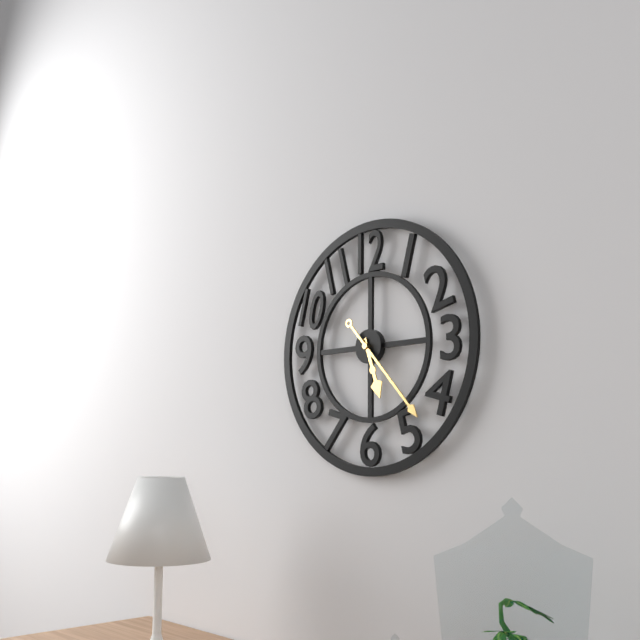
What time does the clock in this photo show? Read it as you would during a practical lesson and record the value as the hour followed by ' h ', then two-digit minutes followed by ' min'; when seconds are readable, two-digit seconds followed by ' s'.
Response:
5 h 23 min
